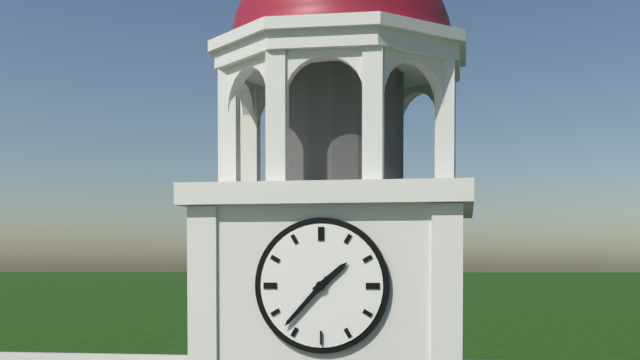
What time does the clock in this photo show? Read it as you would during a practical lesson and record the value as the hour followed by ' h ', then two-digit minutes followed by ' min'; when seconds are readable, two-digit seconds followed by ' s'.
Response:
1 h 37 min
